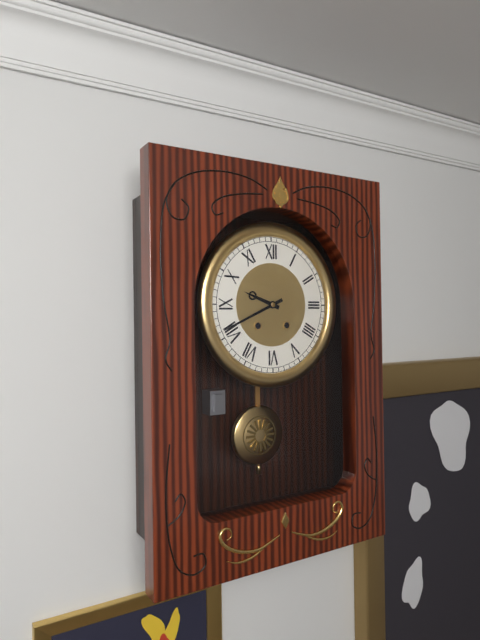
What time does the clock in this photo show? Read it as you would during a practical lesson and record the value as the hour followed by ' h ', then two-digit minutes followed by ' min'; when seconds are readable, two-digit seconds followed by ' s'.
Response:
9 h 41 min
